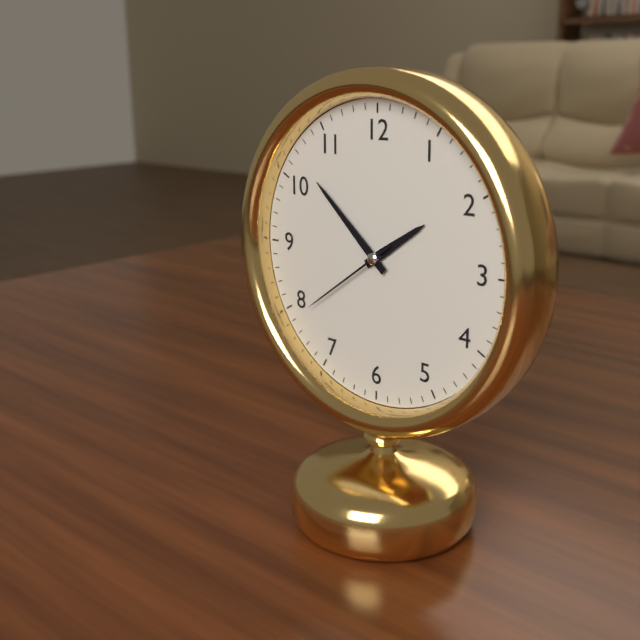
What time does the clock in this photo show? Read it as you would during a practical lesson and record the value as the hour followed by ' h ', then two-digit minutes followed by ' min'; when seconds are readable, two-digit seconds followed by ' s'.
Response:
1 h 52 min 39 s
